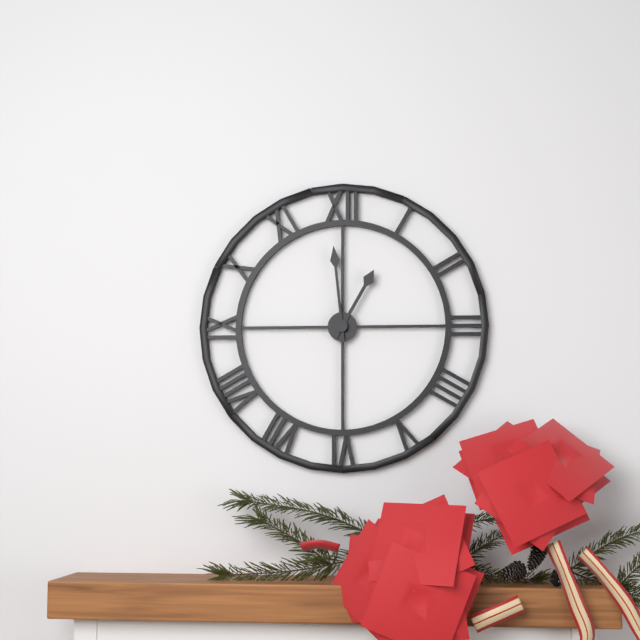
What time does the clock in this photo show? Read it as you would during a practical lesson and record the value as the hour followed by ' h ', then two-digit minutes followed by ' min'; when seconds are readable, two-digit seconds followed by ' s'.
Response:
12 h 59 min
